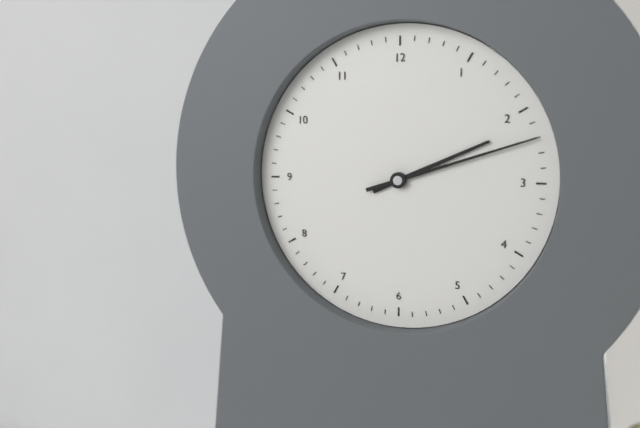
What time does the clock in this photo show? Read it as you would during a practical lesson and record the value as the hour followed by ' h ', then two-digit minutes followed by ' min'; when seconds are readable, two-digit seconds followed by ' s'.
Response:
2 h 12 min
